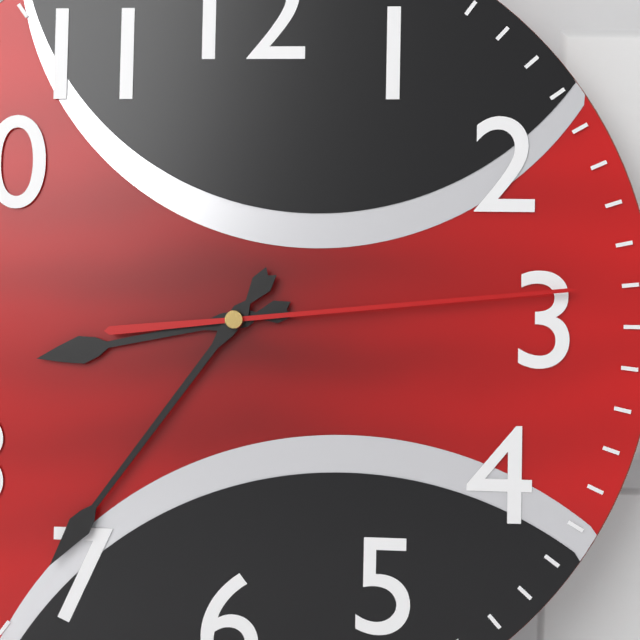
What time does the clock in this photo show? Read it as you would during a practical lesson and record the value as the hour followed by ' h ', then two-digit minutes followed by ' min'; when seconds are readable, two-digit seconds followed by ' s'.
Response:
8 h 36 min 14 s
